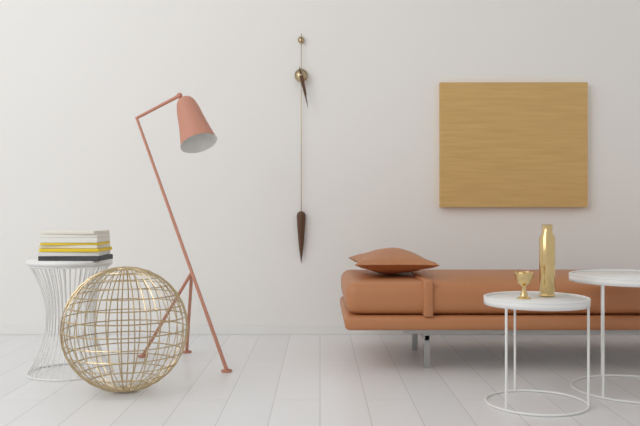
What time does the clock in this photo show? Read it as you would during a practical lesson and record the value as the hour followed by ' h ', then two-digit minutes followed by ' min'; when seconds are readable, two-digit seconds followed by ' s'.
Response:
5 h 28 min
